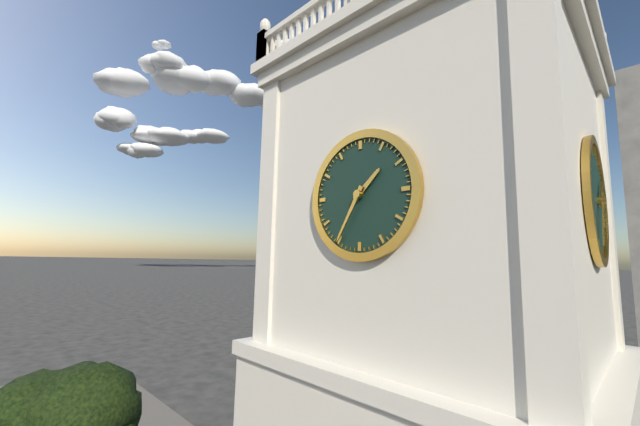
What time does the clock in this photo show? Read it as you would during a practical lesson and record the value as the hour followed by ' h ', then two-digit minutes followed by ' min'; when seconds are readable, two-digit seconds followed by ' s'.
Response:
1 h 35 min
